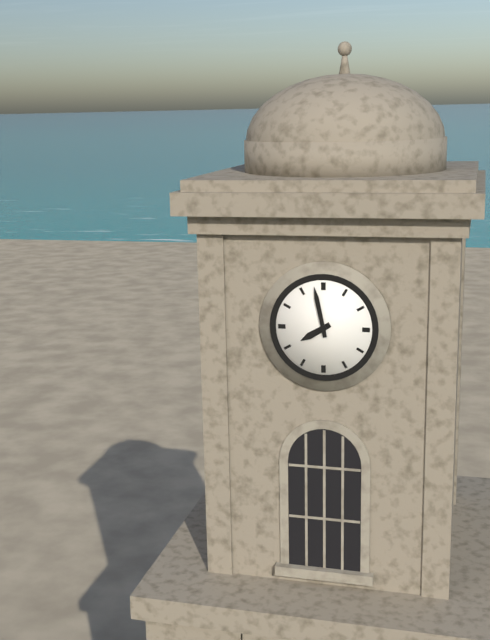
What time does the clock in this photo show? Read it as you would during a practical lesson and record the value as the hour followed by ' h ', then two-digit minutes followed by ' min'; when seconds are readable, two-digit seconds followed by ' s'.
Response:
7 h 58 min
